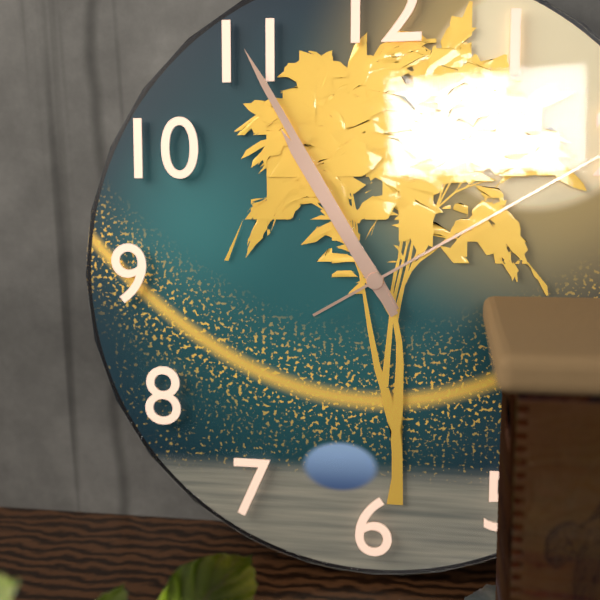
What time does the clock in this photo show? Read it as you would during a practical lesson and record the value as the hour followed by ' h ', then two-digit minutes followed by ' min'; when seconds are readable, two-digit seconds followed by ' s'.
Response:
10 h 55 min
